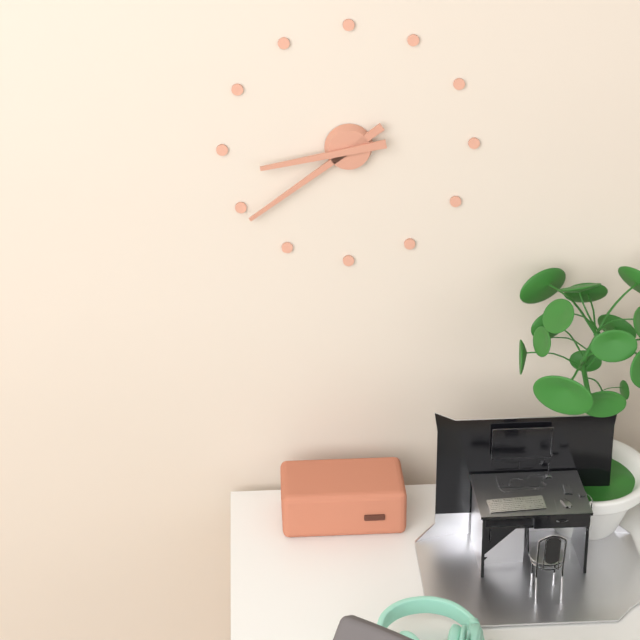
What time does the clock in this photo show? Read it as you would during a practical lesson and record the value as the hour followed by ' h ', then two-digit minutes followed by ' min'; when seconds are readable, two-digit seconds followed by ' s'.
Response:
8 h 39 min
